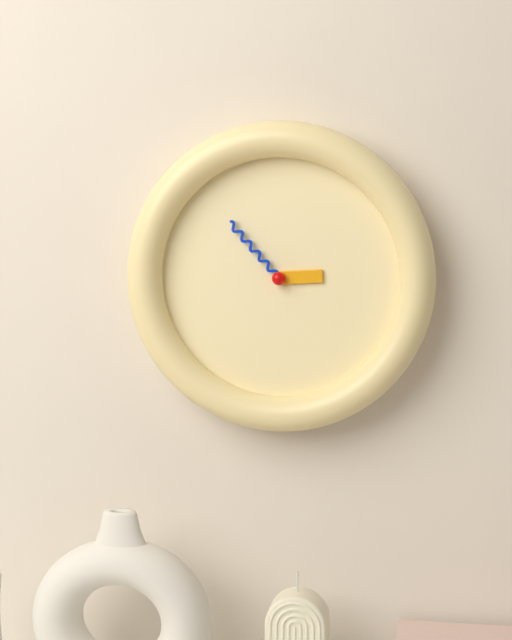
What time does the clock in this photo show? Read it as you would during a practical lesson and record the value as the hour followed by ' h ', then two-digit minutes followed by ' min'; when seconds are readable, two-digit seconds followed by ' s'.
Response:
2 h 53 min
